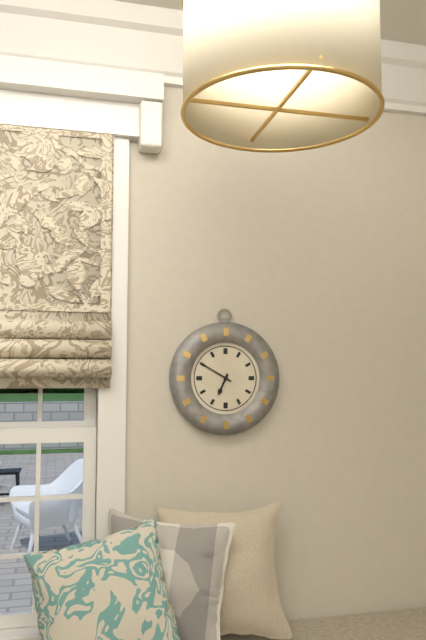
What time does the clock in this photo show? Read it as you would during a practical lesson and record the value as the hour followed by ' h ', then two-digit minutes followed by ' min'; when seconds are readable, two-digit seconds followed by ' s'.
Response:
6 h 50 min
